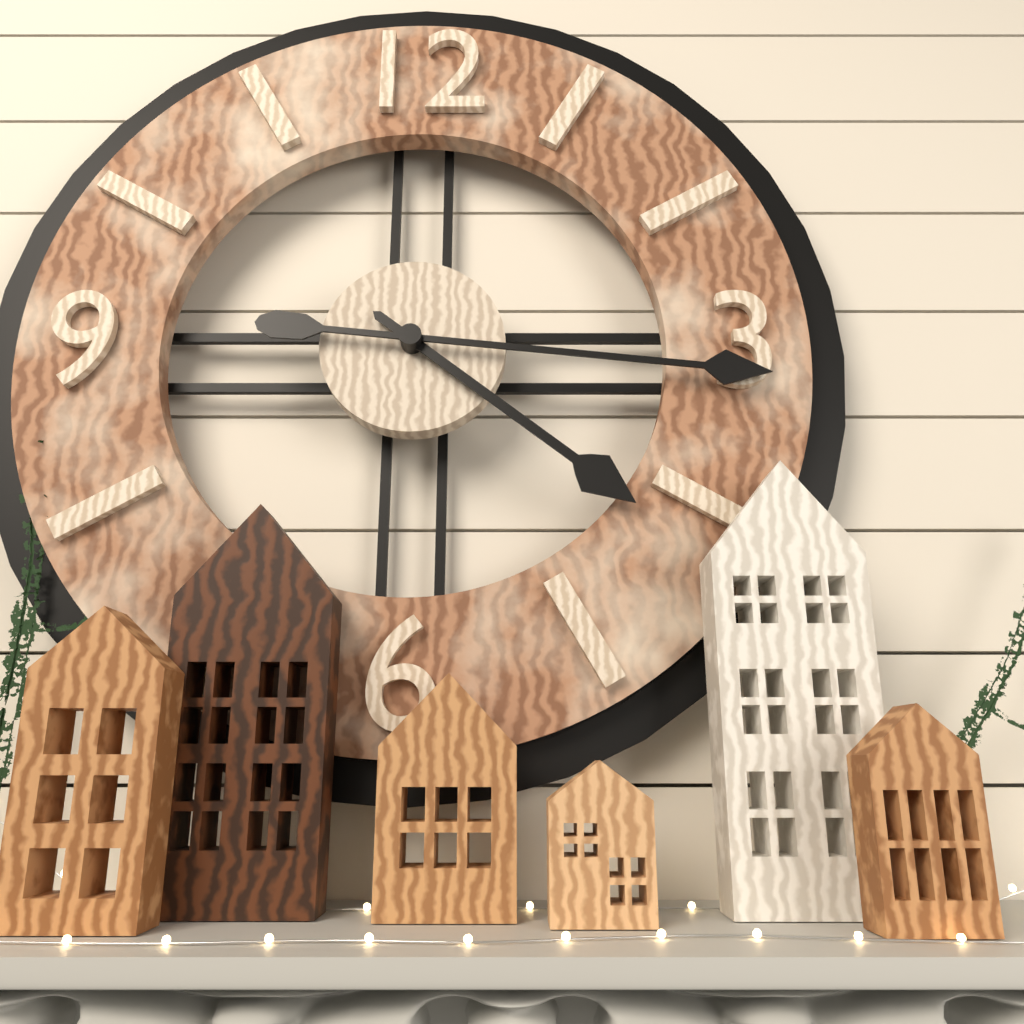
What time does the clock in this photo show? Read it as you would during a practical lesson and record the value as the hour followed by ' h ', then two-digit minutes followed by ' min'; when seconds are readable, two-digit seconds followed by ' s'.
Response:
4 h 16 min
